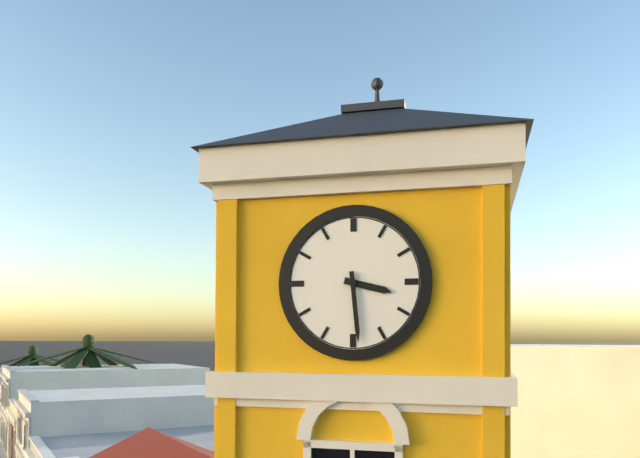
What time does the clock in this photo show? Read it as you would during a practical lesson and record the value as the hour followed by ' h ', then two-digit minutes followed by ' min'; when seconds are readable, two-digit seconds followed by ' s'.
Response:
3 h 29 min
